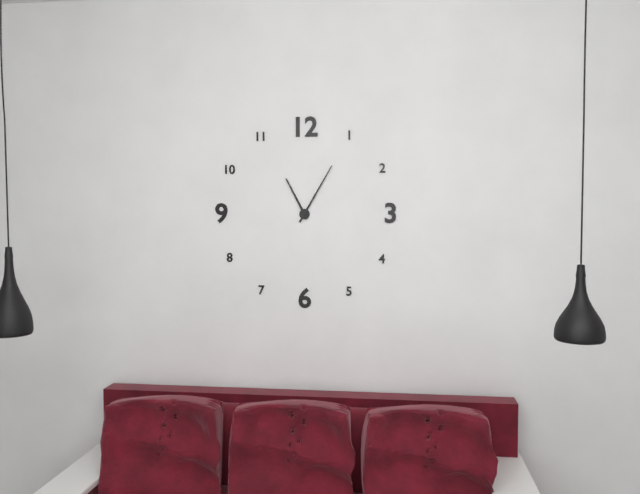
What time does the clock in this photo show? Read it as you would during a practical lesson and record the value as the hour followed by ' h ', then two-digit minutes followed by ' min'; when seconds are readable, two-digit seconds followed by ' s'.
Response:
11 h 05 min
